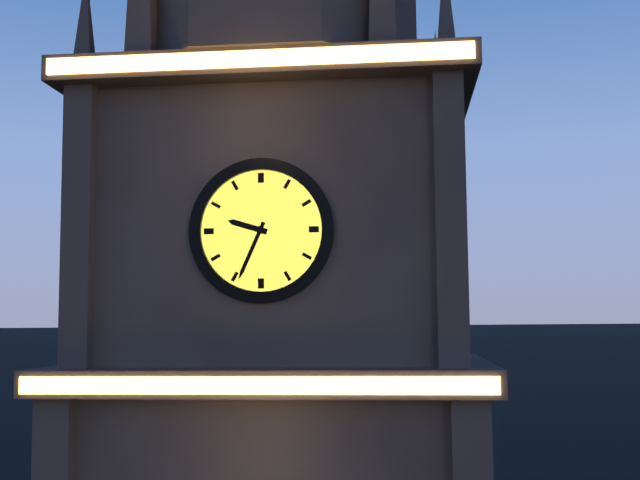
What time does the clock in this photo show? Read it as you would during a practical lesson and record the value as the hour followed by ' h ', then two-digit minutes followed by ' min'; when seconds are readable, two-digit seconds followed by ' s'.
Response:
9 h 34 min
